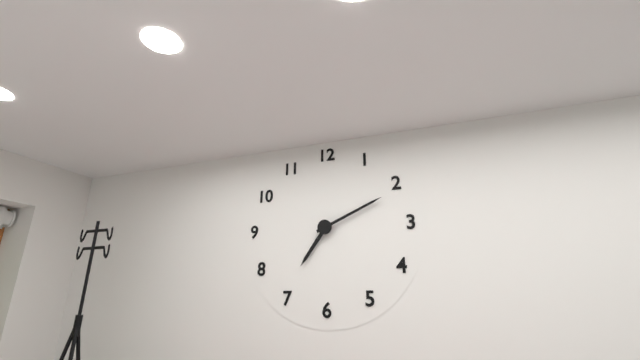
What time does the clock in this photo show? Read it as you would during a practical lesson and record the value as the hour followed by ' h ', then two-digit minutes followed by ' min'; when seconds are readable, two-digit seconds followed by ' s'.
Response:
7 h 11 min
